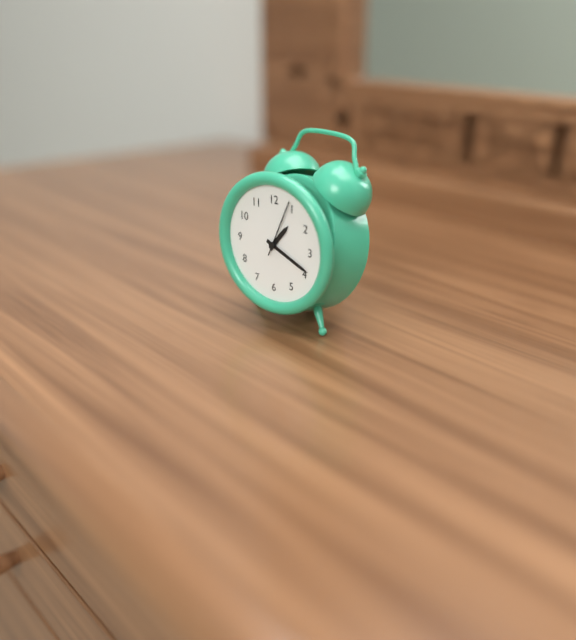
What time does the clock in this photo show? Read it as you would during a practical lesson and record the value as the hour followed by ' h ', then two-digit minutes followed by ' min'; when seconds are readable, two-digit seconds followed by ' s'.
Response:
1 h 19 min 04 s
